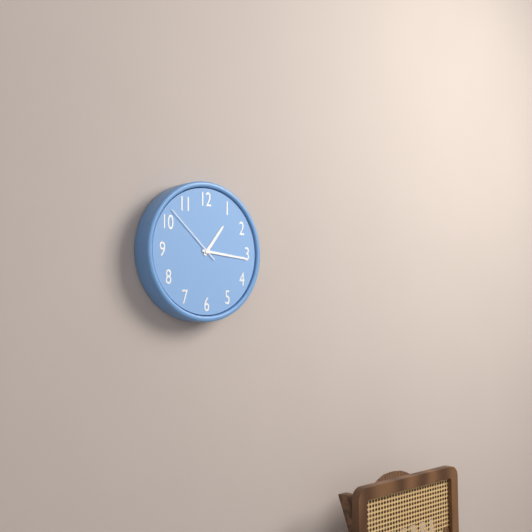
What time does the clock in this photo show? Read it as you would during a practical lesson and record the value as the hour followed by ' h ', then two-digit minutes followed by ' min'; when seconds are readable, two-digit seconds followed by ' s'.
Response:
1 h 16 min 52 s
